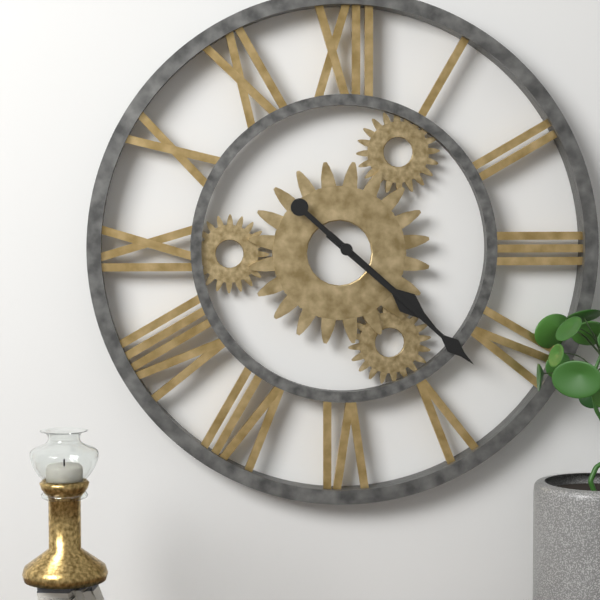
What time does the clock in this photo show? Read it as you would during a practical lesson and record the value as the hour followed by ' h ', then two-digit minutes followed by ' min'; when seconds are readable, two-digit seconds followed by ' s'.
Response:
4 h 22 min
